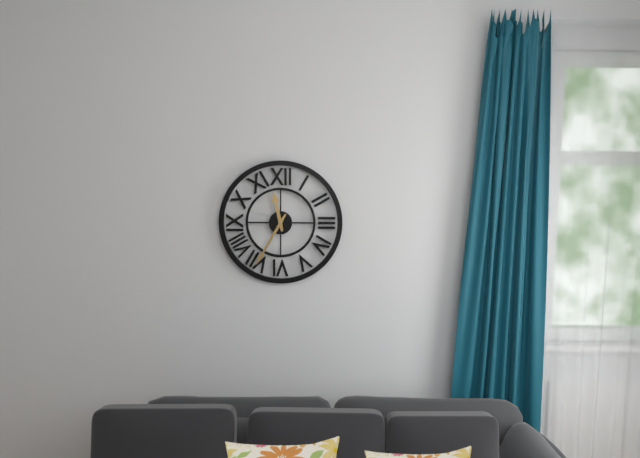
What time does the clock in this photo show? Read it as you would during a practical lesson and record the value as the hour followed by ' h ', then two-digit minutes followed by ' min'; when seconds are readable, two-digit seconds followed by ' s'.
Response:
11 h 35 min
